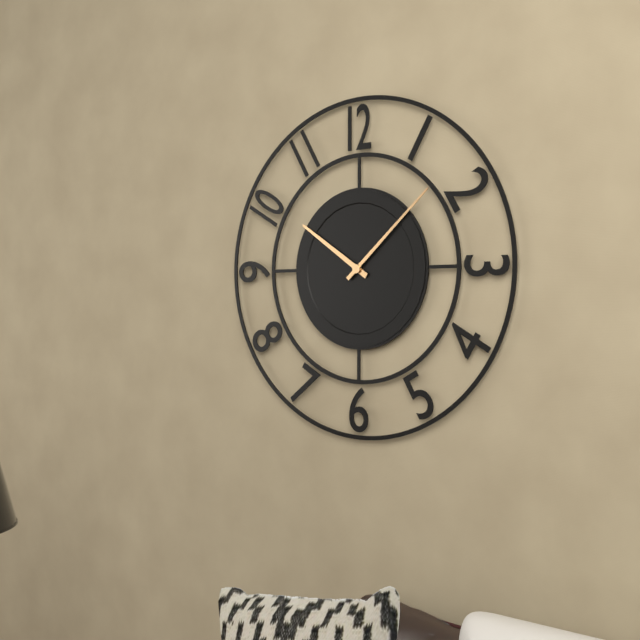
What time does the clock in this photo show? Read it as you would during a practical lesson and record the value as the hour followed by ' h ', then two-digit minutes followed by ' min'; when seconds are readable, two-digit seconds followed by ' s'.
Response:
10 h 08 min
